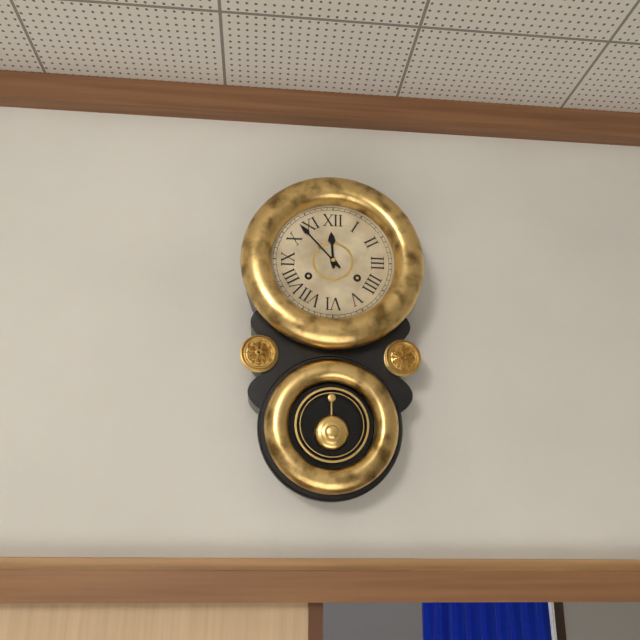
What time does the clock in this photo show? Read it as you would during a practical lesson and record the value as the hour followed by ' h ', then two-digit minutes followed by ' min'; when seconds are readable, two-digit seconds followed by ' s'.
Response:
11 h 53 min
